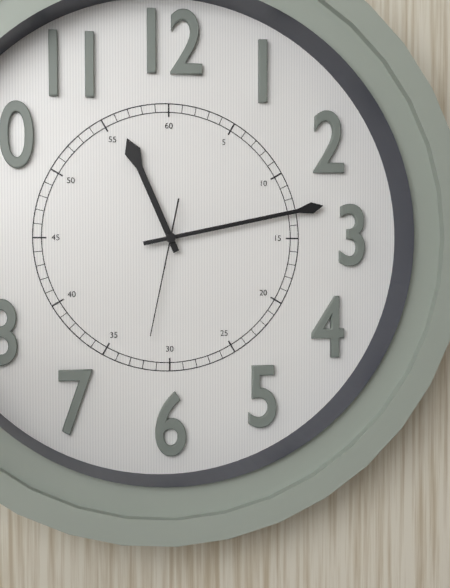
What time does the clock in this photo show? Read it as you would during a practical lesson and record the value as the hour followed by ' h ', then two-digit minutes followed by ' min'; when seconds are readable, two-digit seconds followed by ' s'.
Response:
11 h 13 min 32 s
